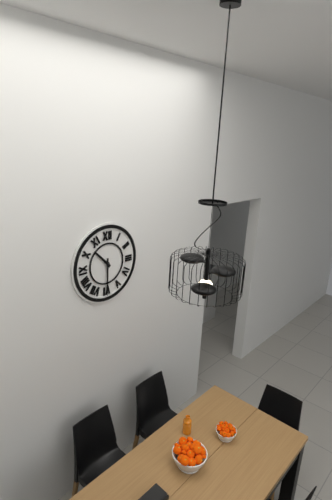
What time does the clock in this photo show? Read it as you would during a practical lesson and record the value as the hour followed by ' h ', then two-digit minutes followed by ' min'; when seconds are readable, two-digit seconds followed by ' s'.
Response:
10 h 30 min
